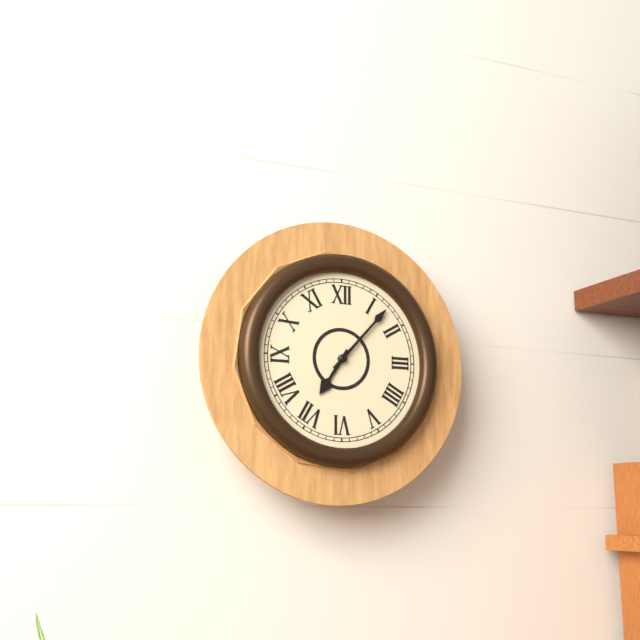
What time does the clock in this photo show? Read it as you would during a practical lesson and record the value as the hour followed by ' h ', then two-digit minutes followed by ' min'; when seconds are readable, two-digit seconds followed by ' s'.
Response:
7 h 07 min
